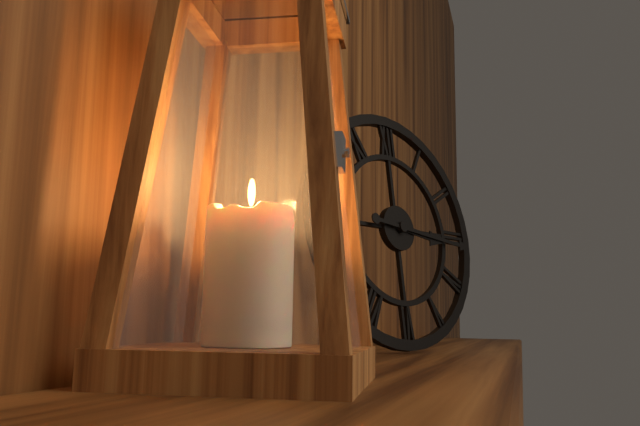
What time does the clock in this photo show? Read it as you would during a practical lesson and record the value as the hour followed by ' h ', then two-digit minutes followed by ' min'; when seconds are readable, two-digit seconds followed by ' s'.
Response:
3 h 16 min
